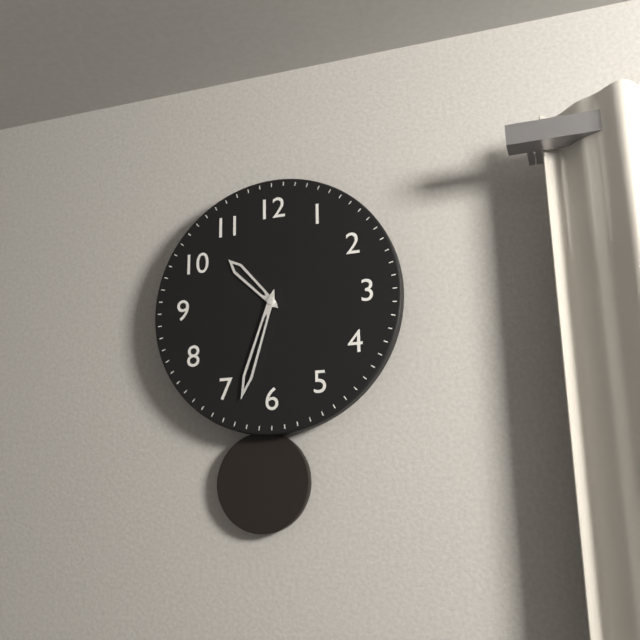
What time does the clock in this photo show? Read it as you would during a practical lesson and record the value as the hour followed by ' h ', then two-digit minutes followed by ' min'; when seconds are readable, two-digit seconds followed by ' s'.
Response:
10 h 33 min
